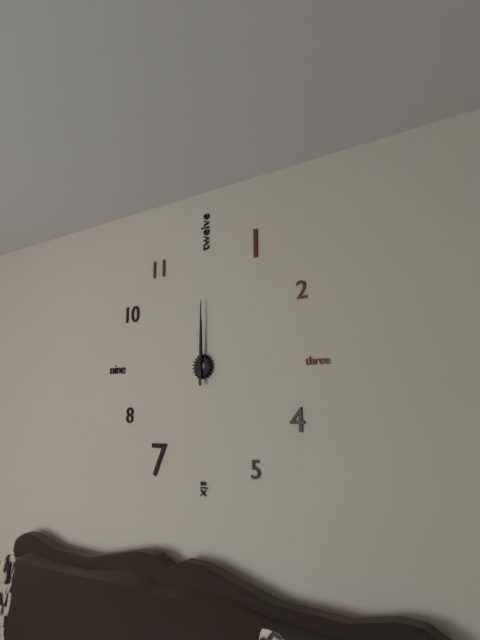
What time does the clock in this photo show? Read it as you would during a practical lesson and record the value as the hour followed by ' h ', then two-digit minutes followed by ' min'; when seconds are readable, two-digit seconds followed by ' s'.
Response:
12 h 00 min
